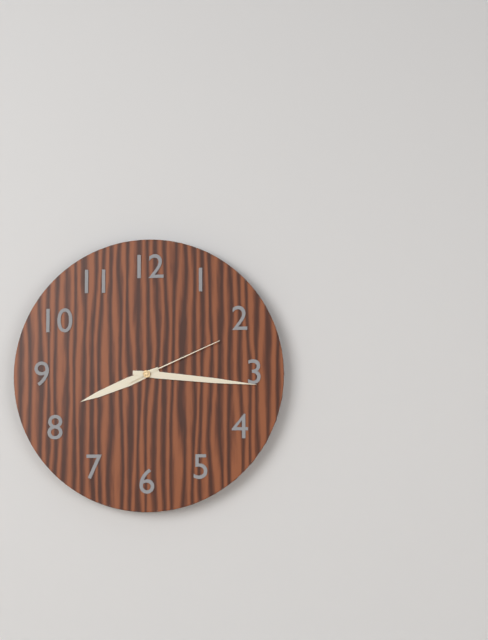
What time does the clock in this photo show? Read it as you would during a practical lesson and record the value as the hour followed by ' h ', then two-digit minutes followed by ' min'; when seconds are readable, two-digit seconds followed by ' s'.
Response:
8 h 16 min 11 s
